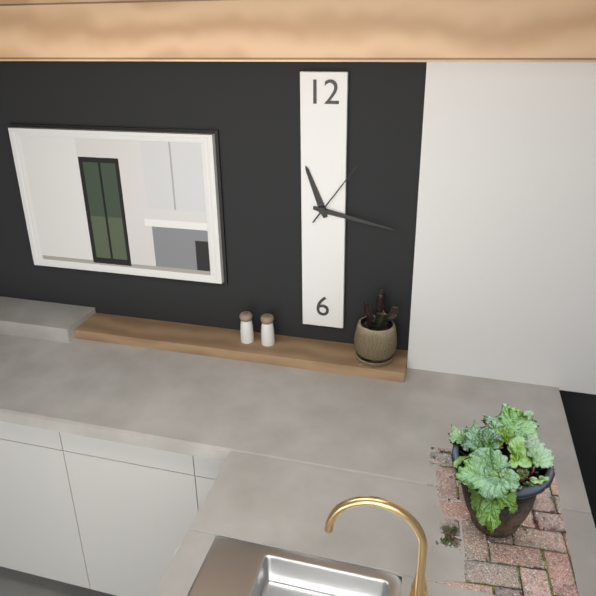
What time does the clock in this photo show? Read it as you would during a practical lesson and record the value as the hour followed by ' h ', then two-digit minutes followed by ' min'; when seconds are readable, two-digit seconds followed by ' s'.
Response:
11 h 17 min 06 s
